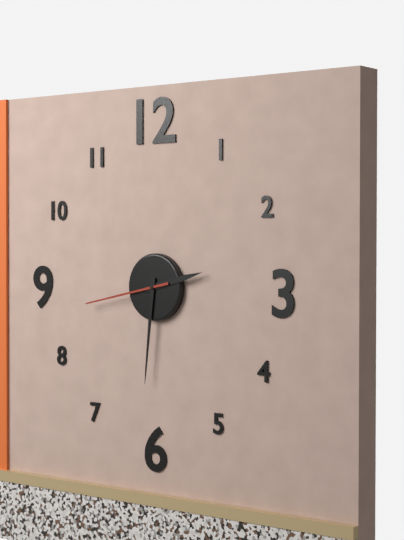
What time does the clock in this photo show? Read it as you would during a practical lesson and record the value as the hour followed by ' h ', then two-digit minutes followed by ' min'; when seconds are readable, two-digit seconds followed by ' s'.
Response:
2 h 31 min 43 s
